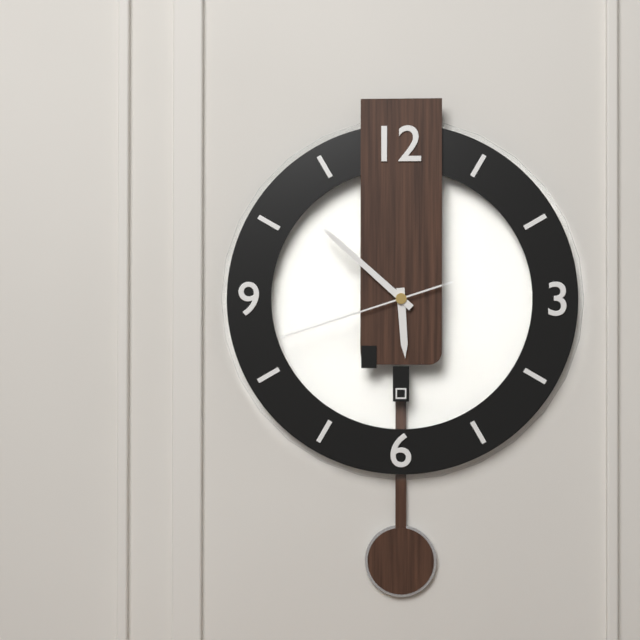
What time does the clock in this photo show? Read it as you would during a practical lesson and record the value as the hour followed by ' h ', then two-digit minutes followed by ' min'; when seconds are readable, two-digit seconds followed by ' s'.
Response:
5 h 52 min 42 s
